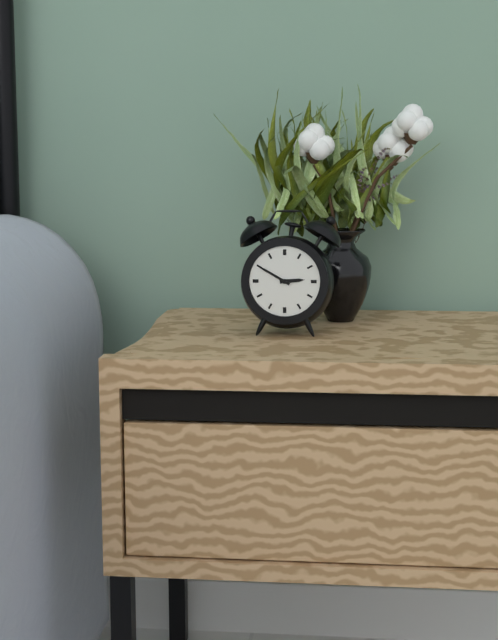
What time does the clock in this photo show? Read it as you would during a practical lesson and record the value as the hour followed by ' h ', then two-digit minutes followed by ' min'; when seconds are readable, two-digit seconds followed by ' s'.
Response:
2 h 50 min
